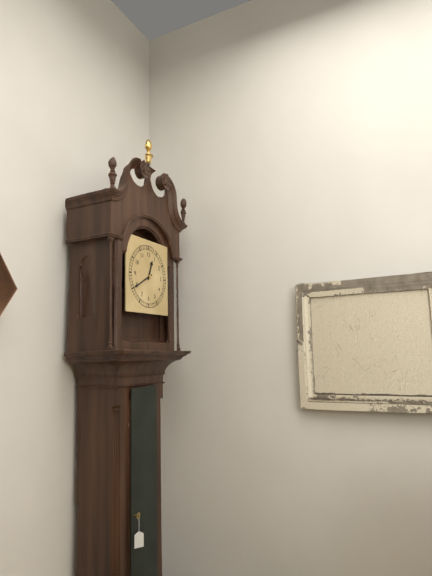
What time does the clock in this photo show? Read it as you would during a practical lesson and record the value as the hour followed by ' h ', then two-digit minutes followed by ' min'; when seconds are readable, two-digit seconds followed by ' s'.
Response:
12 h 40 min
